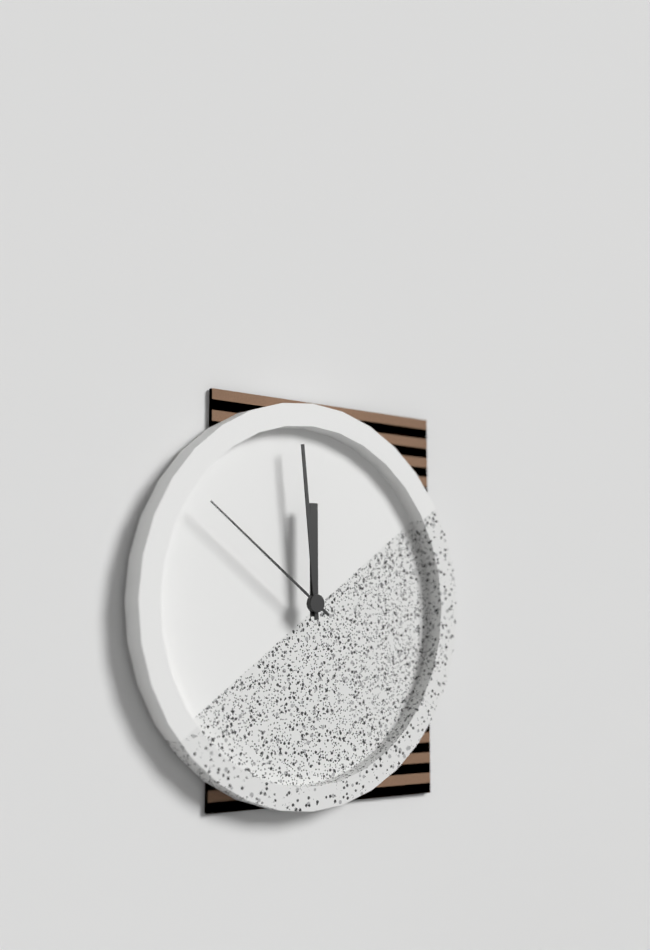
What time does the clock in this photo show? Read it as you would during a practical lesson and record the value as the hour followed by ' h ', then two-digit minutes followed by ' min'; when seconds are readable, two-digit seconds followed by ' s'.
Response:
11 h 59 min 51 s
